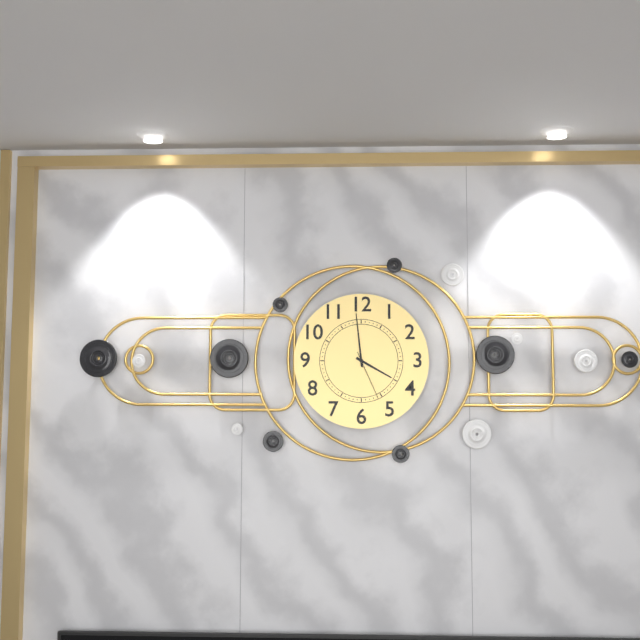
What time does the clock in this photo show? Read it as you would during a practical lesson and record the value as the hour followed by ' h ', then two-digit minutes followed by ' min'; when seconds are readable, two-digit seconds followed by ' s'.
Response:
3 h 59 min 26 s
